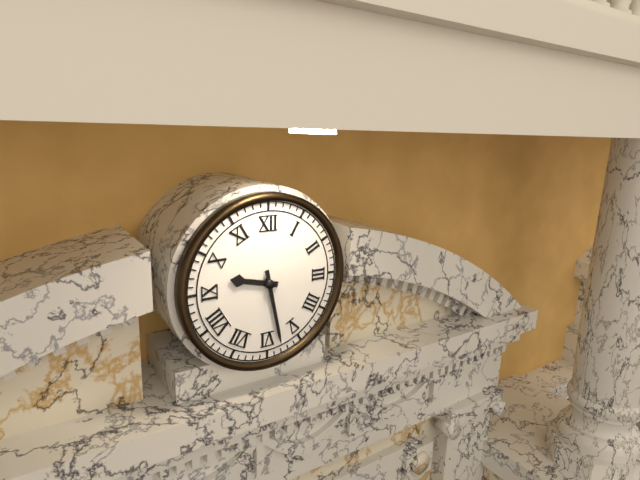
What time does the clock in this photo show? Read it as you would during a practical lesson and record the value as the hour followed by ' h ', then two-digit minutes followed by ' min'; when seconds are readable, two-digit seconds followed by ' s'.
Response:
9 h 28 min
